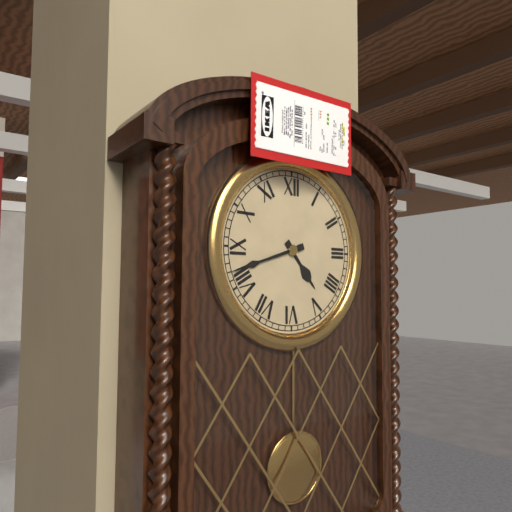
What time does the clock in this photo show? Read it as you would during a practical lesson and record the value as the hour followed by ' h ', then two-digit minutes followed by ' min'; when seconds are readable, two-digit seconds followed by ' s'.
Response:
4 h 42 min
